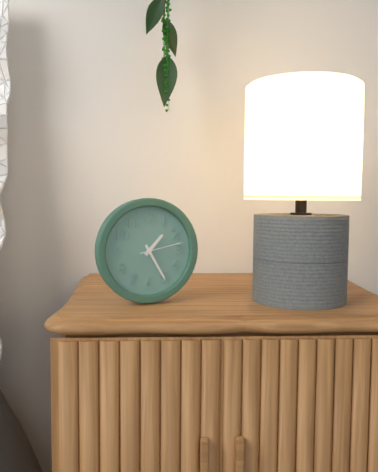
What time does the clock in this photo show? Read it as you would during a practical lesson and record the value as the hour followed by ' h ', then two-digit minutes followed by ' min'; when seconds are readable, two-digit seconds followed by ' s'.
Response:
1 h 25 min
